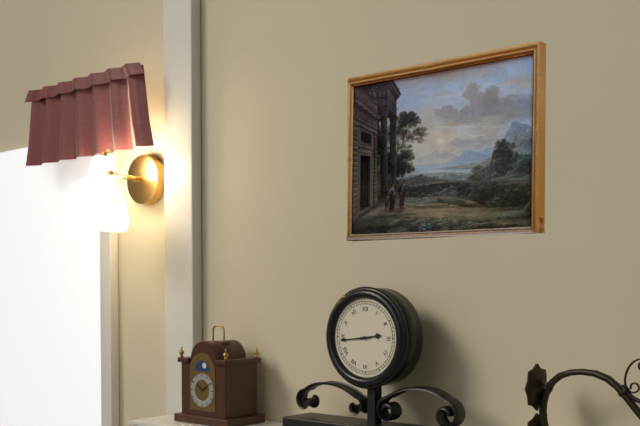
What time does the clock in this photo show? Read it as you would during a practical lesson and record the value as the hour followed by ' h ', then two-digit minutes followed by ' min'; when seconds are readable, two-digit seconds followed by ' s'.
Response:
2 h 44 min
